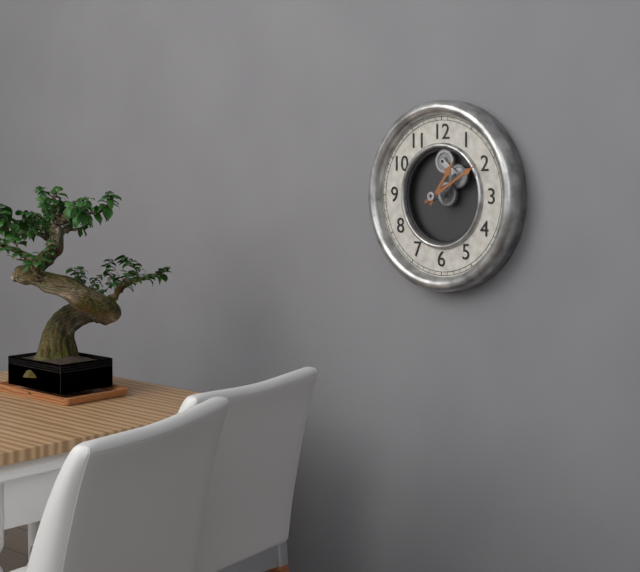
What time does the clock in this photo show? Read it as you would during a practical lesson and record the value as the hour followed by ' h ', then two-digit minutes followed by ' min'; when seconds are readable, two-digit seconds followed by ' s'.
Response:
1 h 10 min
